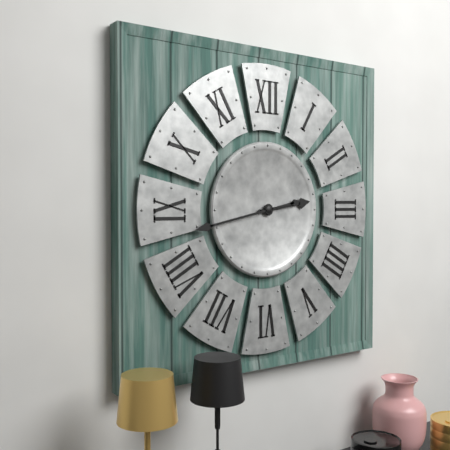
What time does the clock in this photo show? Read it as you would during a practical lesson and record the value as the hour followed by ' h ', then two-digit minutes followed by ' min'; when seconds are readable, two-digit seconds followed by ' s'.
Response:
2 h 43 min
